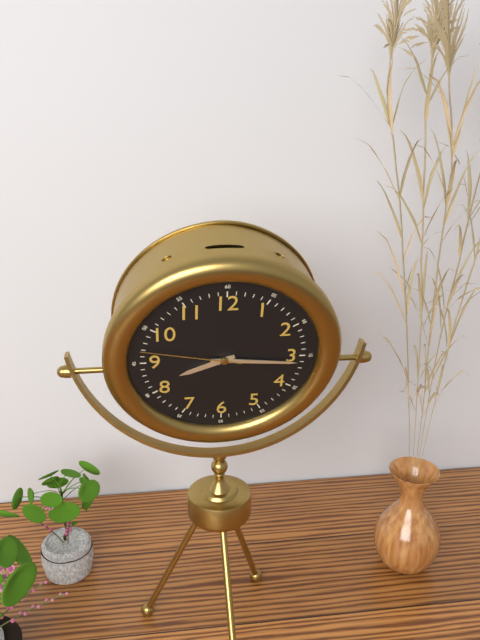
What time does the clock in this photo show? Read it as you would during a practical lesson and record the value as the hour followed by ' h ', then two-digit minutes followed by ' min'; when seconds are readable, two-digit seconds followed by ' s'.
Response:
8 h 16 min 47 s
